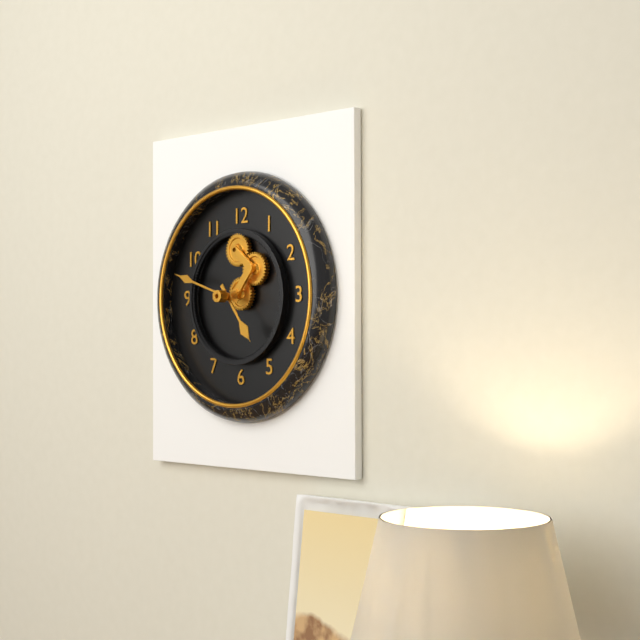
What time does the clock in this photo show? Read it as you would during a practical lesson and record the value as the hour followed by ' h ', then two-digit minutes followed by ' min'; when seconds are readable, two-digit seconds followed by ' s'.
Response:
4 h 48 min
